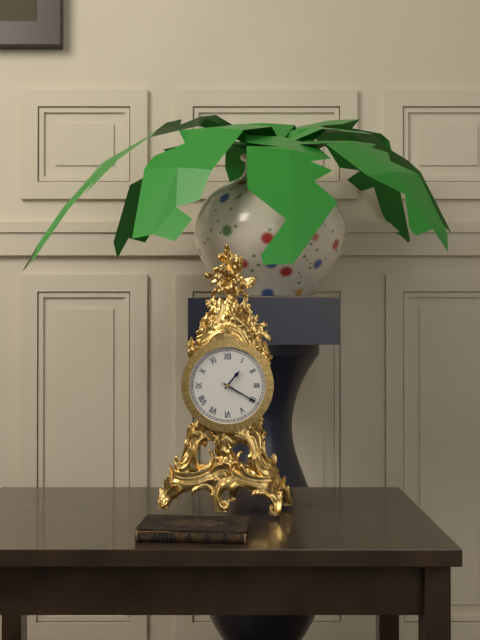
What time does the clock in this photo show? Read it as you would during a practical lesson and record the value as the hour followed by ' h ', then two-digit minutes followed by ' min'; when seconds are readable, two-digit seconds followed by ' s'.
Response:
1 h 20 min
